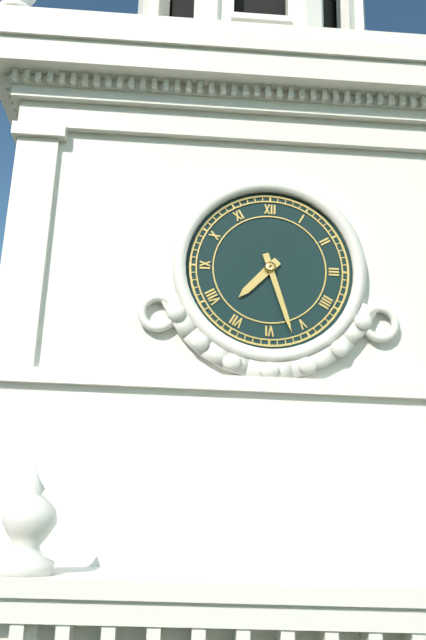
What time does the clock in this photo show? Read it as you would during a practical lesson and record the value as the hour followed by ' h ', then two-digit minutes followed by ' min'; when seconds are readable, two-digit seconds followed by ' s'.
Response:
7 h 27 min
